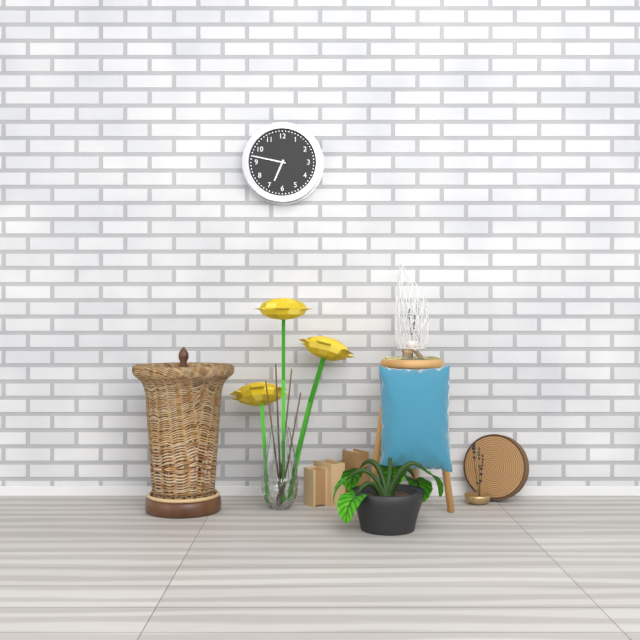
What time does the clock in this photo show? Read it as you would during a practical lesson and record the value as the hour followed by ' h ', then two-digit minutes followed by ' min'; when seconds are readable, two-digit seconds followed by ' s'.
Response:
6 h 47 min
